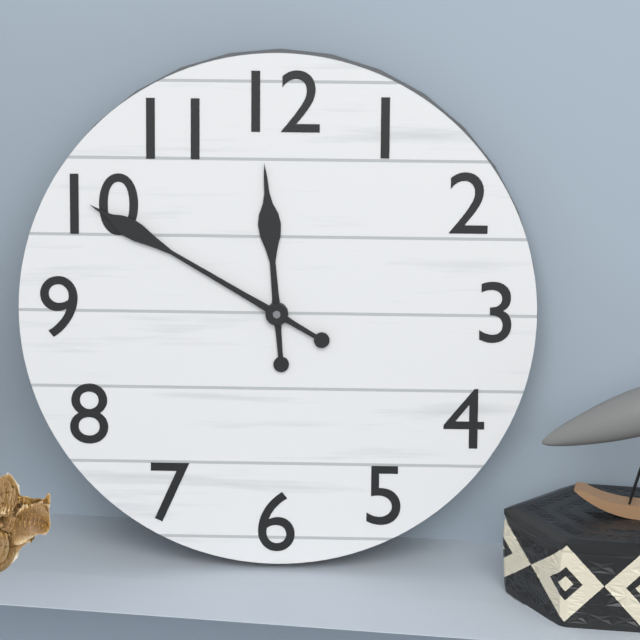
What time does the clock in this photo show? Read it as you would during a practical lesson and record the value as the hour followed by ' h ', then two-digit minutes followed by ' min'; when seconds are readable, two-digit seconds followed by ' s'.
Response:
11 h 50 min
